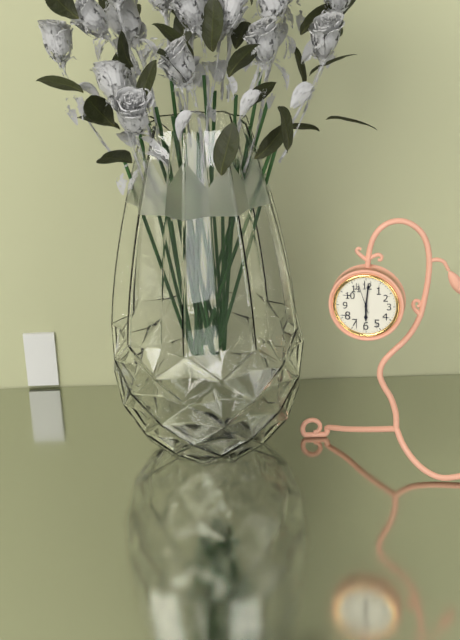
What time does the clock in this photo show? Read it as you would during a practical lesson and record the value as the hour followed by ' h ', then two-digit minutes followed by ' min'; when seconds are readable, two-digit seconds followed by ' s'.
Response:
6 h 01 min
